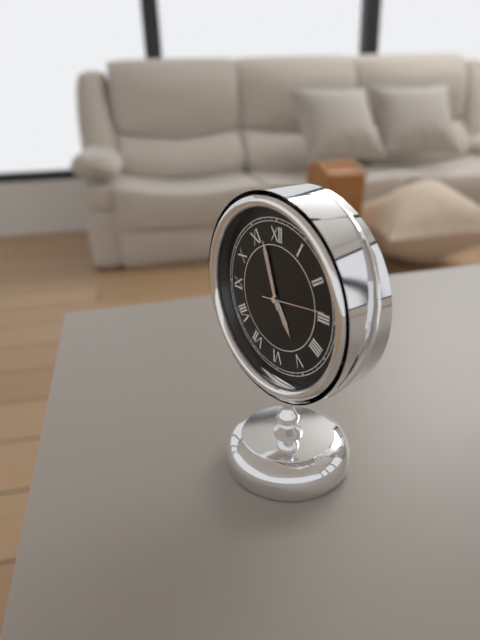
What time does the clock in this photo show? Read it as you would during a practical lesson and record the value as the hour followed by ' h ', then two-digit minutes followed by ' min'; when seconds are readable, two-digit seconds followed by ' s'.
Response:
4 h 57 min 14 s
